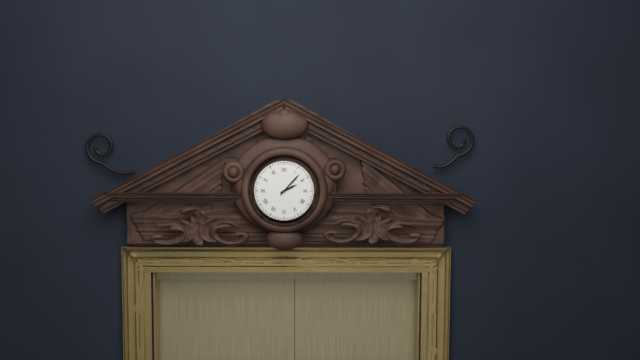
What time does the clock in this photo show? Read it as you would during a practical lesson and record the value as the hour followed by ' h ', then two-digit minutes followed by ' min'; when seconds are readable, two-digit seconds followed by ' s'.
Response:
2 h 07 min
